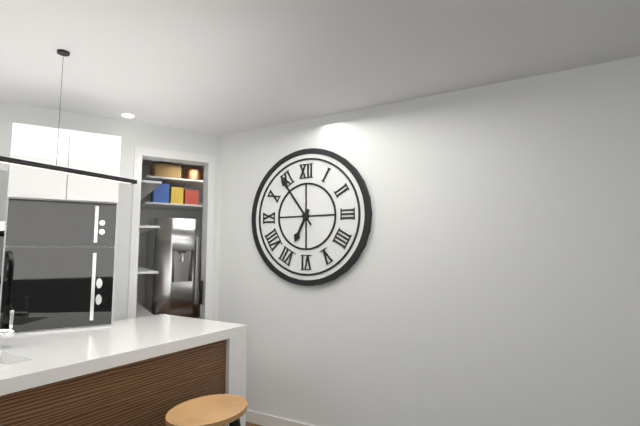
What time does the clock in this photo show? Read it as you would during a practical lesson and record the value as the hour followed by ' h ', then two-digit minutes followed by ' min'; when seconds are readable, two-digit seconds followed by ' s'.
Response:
6 h 54 min
